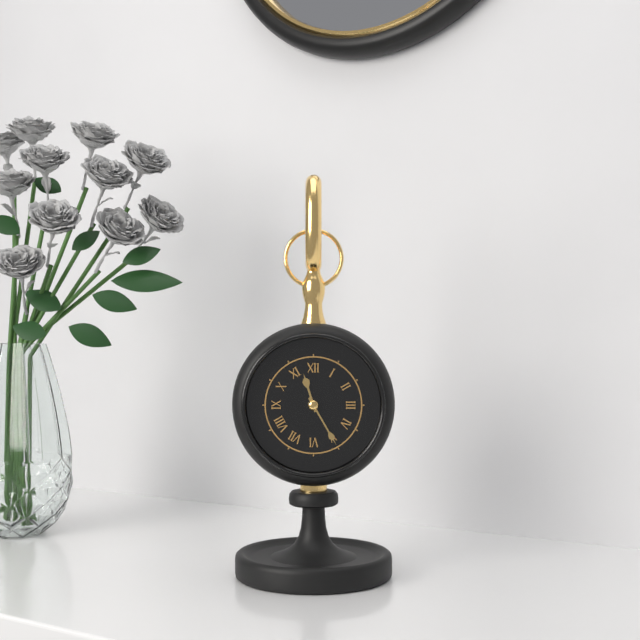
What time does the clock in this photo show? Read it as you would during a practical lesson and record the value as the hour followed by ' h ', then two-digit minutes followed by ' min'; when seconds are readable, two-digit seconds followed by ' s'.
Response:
11 h 25 min
